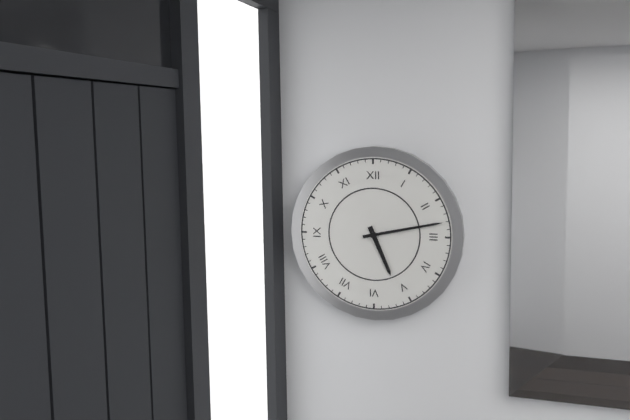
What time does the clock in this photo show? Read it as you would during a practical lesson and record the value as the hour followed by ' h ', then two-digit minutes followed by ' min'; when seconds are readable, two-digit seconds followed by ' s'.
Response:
5 h 13 min
